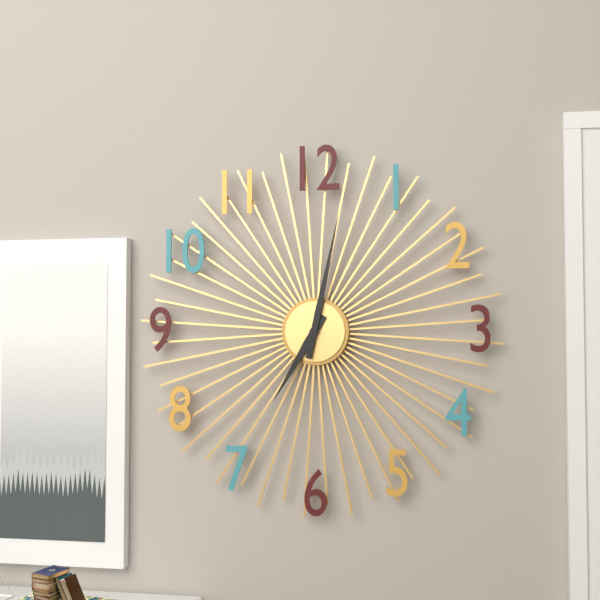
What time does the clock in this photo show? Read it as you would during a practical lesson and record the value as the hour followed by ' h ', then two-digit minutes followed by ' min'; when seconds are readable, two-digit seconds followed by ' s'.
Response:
7 h 02 min
